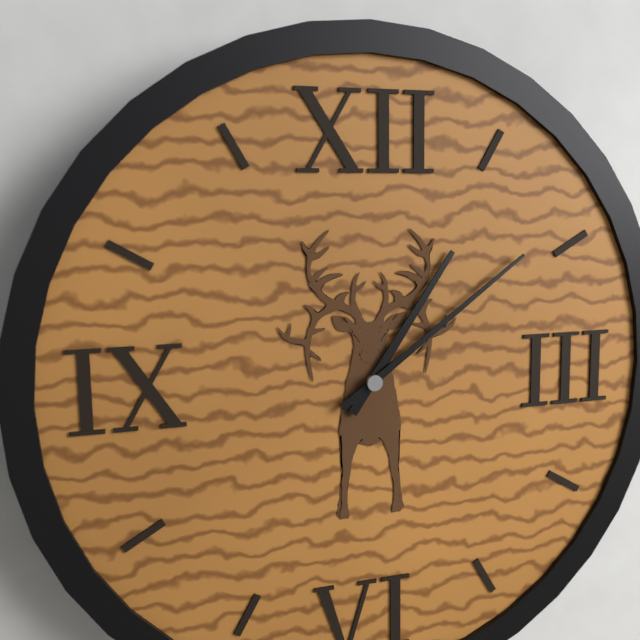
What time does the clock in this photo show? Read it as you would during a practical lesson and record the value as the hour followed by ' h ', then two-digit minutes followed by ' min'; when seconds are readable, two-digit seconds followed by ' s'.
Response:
1 h 09 min
